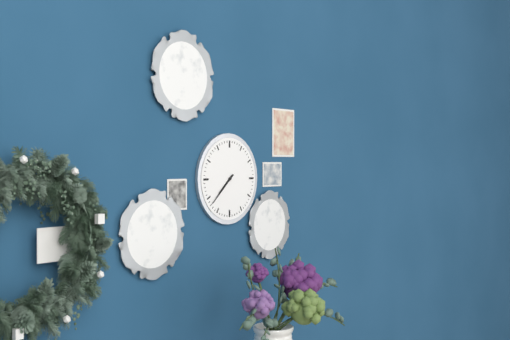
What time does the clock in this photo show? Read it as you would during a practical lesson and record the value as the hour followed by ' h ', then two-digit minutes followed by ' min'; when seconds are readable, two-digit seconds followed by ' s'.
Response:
7 h 38 min
